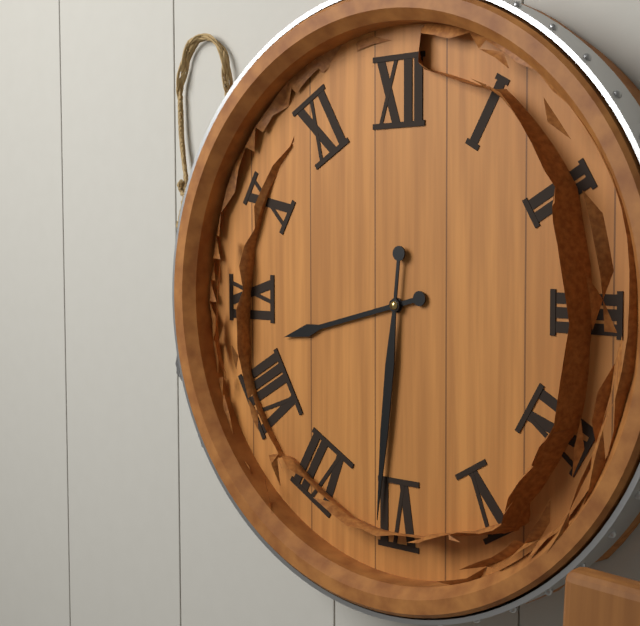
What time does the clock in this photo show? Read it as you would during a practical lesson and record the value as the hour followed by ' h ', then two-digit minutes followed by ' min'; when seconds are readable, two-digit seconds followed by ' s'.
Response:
8 h 31 min
